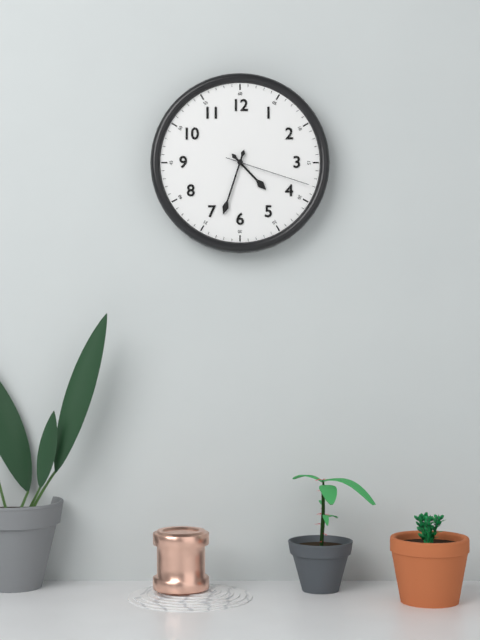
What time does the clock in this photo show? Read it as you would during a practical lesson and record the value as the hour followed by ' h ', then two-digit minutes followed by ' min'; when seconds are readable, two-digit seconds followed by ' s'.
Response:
4 h 33 min 18 s
